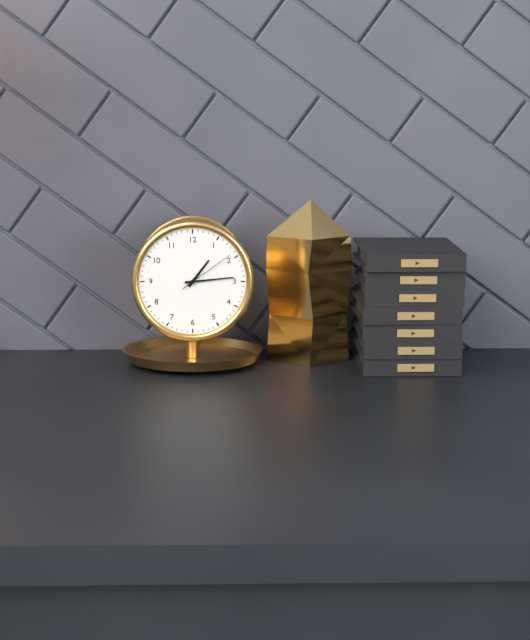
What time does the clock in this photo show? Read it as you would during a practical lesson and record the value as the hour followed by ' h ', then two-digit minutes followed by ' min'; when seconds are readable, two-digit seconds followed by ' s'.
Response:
1 h 14 min 09 s
